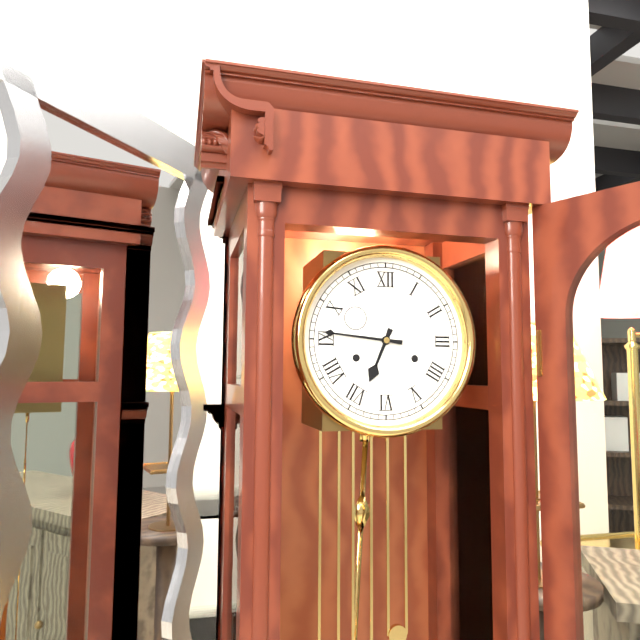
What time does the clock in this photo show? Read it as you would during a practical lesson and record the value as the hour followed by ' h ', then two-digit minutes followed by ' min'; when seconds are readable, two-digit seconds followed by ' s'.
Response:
6 h 46 min
